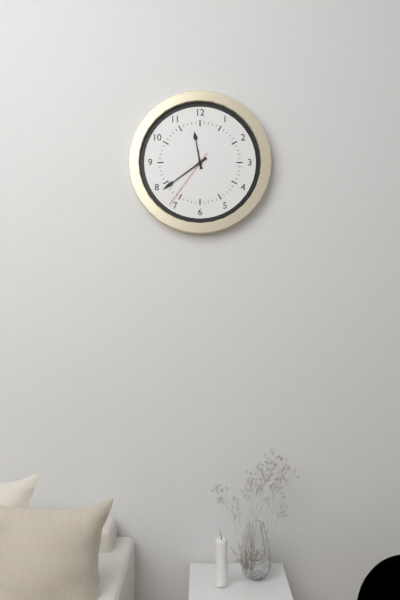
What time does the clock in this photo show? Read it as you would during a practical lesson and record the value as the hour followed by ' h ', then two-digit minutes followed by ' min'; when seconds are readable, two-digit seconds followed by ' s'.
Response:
11 h 39 min 36 s
